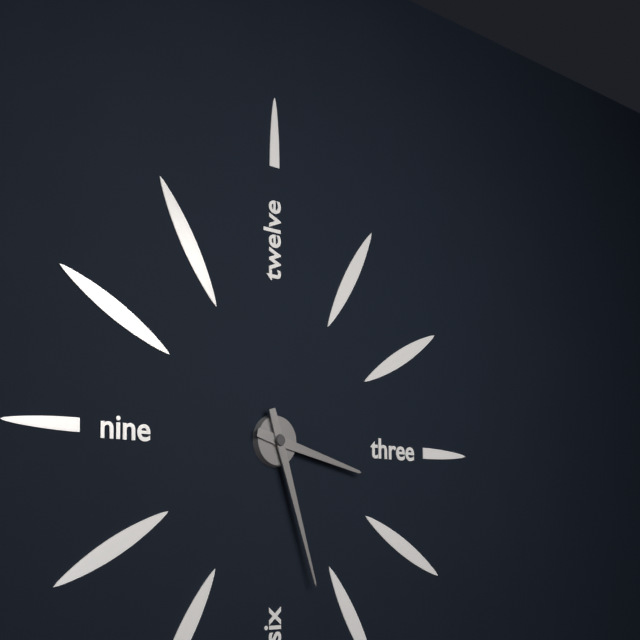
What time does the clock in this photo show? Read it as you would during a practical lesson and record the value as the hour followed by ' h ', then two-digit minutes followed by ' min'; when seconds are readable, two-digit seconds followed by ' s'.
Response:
3 h 27 min
